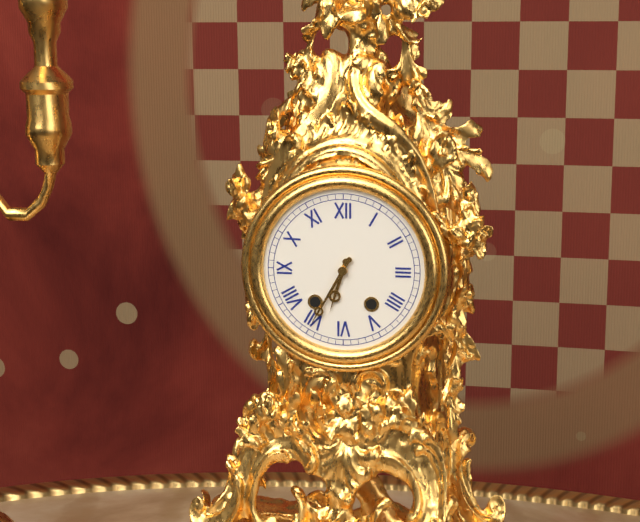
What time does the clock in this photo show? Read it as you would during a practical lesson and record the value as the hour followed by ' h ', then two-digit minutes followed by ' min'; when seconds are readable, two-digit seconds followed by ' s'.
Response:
6 h 35 min
